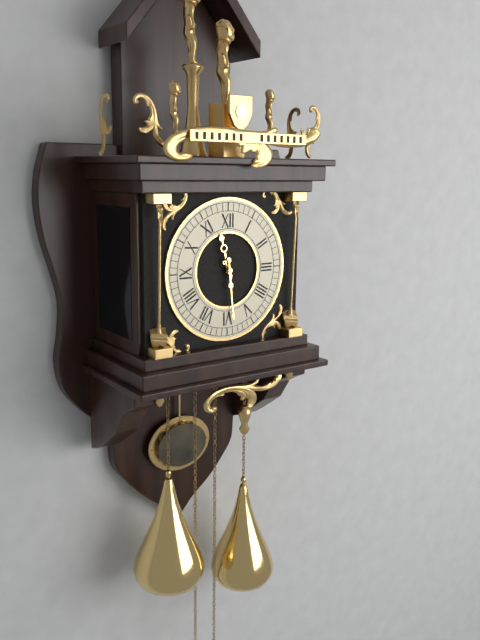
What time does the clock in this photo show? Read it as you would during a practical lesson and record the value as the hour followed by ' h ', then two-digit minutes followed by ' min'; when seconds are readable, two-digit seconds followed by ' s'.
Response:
11 h 29 min
